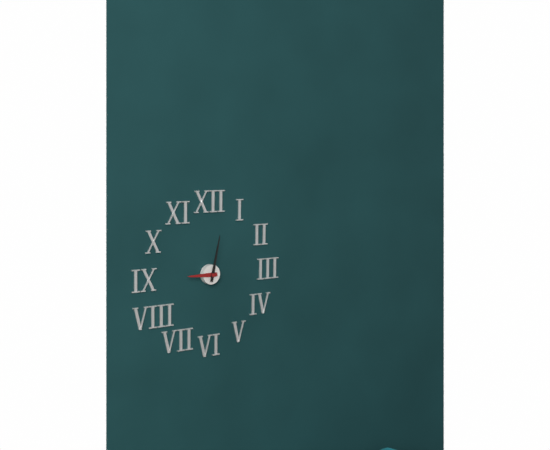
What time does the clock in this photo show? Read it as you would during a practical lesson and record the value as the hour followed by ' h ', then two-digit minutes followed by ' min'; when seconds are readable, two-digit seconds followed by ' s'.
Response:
9 h 02 min
